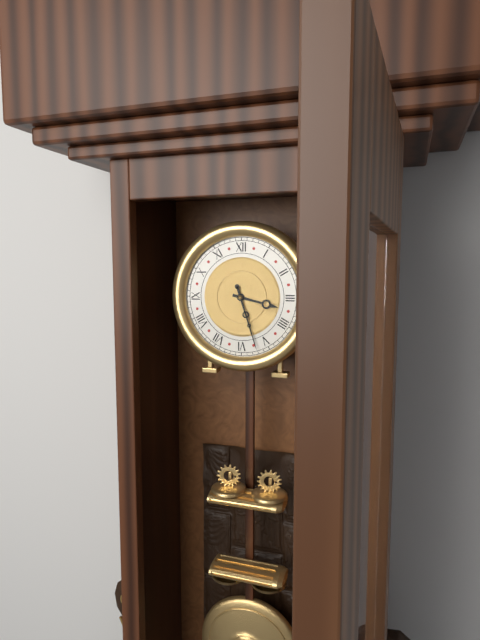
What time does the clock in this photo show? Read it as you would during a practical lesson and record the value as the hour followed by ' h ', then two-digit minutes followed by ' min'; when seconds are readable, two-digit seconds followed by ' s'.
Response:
3 h 27 min
